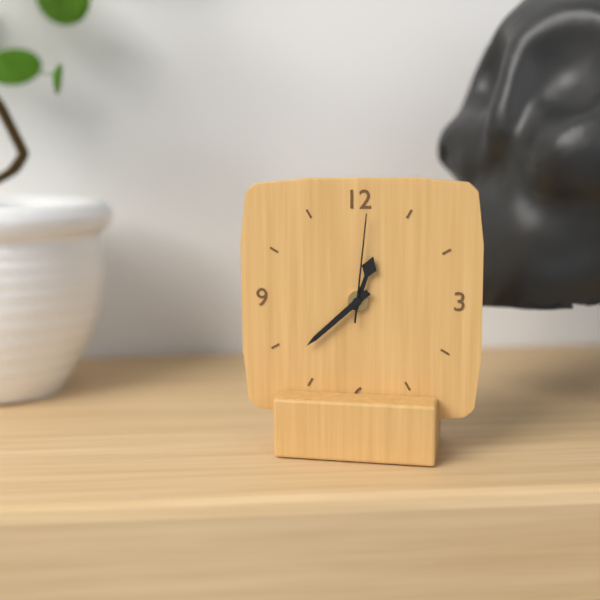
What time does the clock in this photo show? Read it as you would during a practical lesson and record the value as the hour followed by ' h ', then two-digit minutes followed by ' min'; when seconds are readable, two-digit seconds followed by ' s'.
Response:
12 h 38 min 01 s
